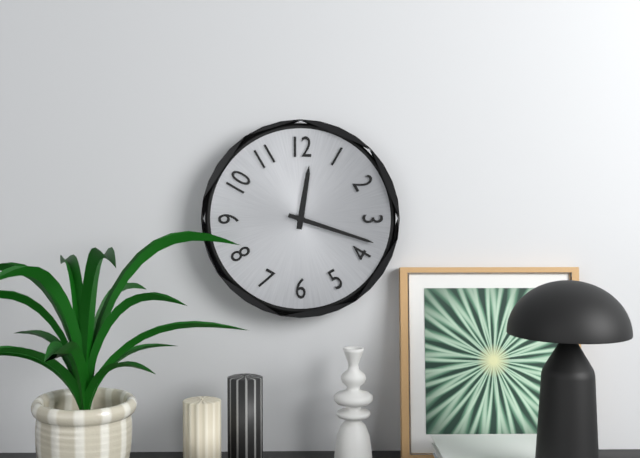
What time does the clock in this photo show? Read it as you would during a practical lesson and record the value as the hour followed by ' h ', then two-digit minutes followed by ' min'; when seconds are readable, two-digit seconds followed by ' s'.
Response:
12 h 18 min
